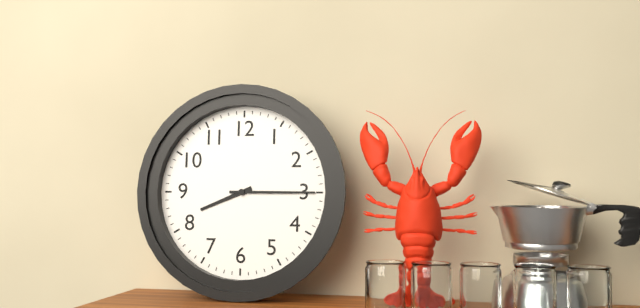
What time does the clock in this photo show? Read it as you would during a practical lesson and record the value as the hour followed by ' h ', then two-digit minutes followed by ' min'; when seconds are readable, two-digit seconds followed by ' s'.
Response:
8 h 15 min
